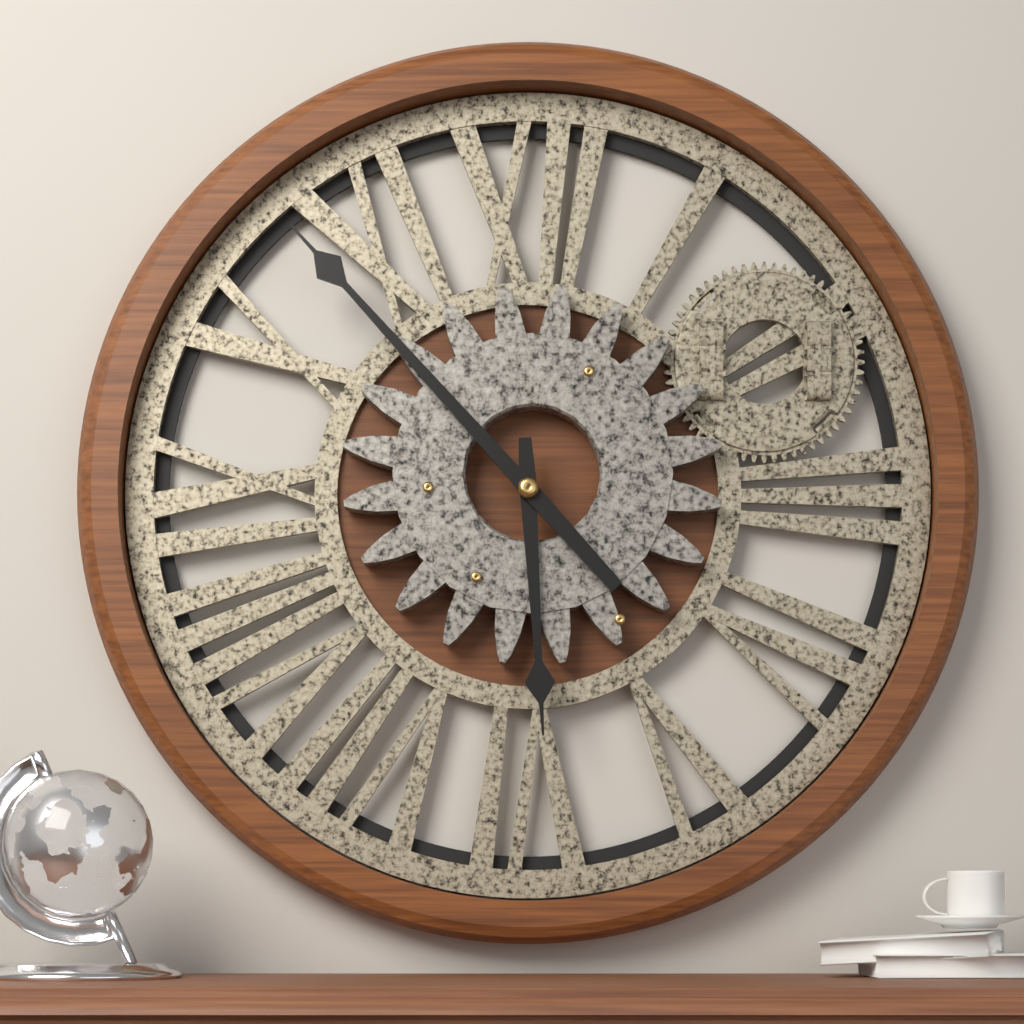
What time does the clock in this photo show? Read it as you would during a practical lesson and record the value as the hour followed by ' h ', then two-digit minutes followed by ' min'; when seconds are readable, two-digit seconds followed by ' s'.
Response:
5 h 53 min
